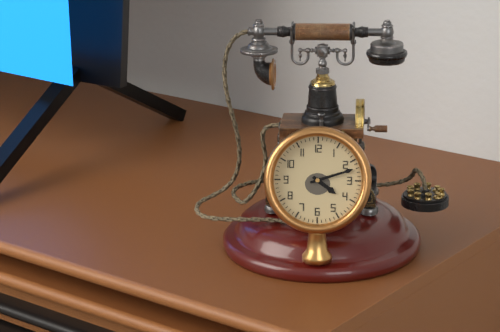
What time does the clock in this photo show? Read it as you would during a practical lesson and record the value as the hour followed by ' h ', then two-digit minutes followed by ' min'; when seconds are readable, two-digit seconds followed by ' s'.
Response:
4 h 12 min
